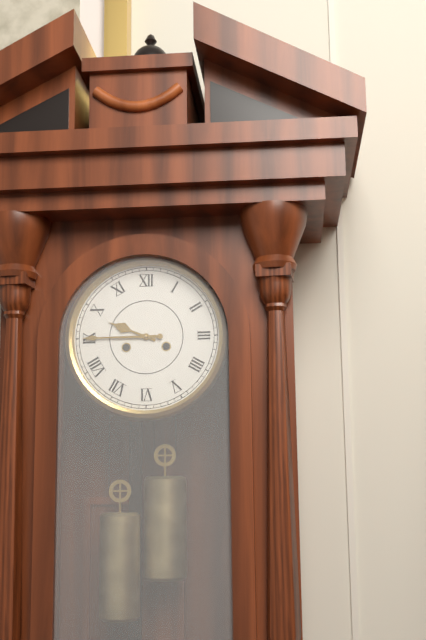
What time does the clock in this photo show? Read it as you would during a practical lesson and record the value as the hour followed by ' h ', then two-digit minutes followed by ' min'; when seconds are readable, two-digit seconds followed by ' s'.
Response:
9 h 45 min
